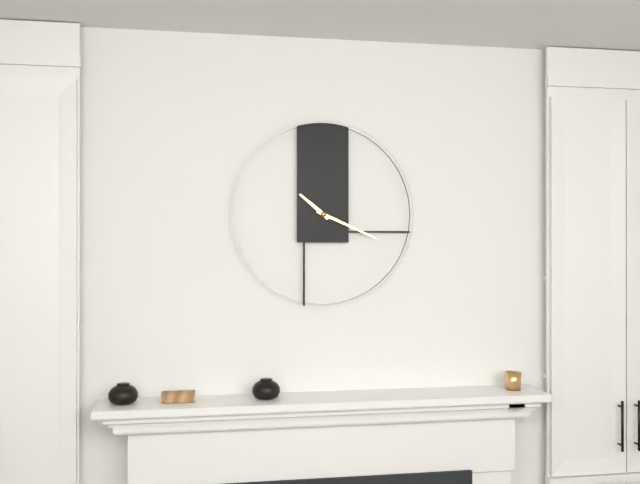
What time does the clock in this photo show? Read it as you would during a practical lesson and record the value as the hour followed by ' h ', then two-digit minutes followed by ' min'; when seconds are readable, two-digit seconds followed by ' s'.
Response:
10 h 19 min
